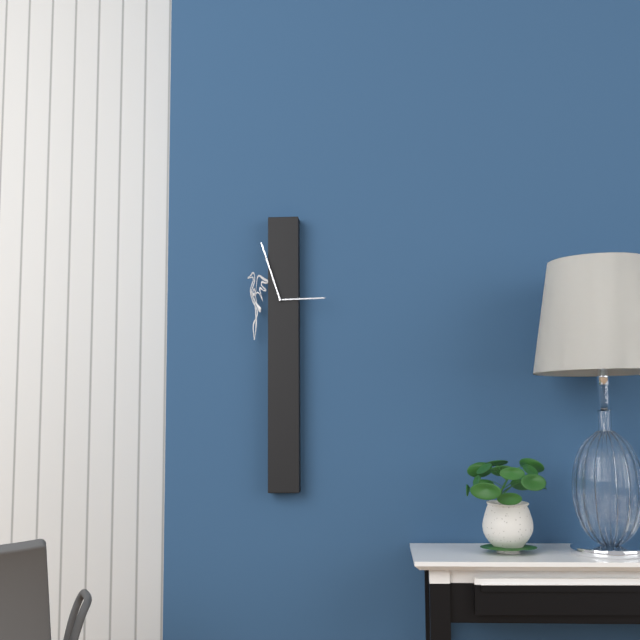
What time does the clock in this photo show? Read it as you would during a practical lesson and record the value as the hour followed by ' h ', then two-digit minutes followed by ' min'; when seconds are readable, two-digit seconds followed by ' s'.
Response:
2 h 57 min
